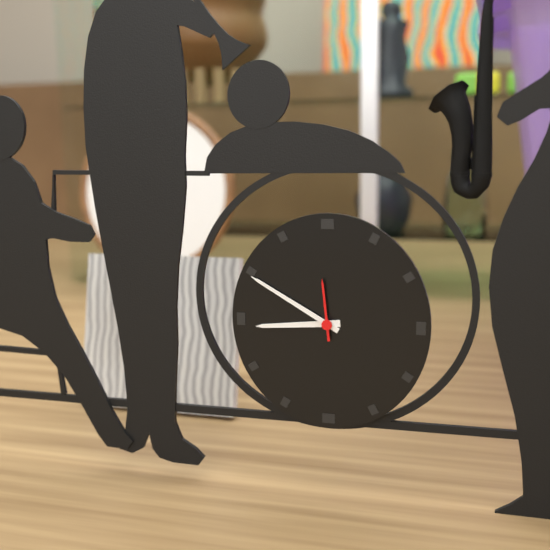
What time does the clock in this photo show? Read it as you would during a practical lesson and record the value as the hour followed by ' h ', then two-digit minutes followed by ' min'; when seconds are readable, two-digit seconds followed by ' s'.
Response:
8 h 50 min 59 s
